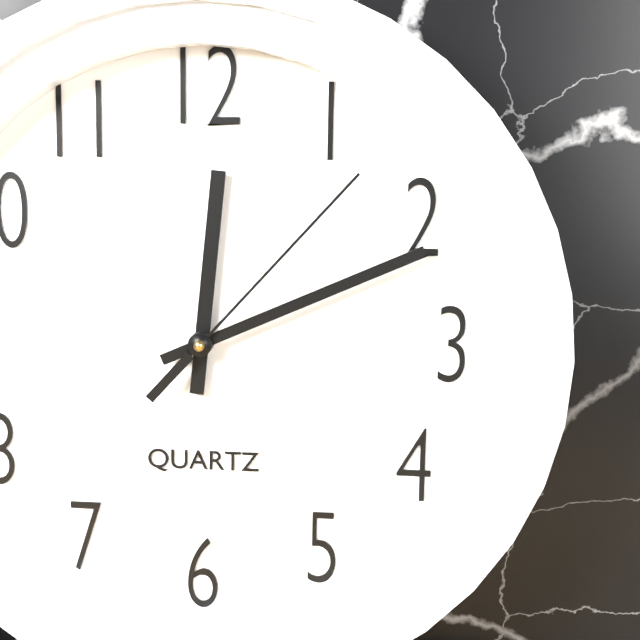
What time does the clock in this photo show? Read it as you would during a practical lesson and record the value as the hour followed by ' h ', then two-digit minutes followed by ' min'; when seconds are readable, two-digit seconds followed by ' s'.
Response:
12 h 11 min 07 s
